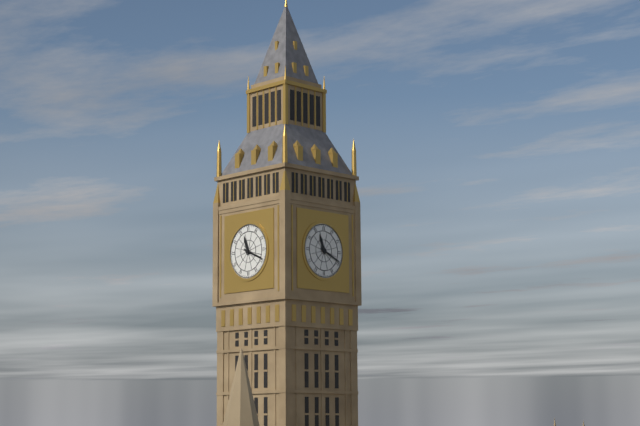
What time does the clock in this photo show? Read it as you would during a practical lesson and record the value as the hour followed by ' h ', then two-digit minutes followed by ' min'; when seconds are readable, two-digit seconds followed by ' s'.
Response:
11 h 19 min
